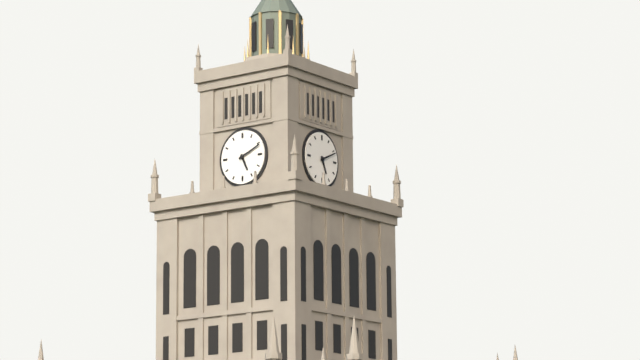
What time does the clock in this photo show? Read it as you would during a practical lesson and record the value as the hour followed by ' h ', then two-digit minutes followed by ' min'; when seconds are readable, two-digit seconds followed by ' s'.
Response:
5 h 11 min
